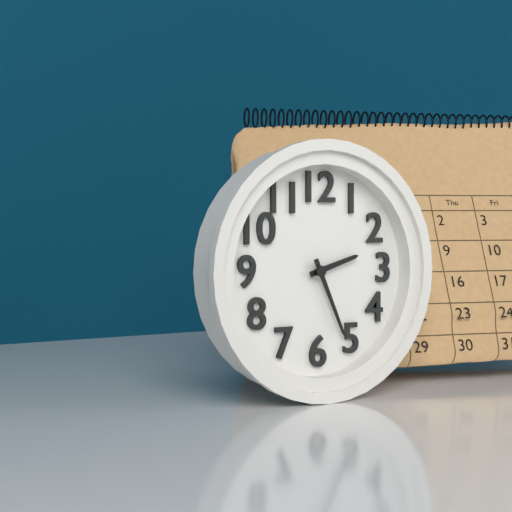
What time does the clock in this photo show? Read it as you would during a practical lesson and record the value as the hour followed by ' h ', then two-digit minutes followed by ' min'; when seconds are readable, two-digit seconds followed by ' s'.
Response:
2 h 26 min
